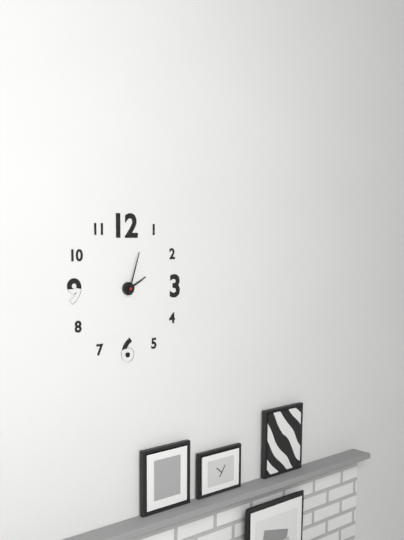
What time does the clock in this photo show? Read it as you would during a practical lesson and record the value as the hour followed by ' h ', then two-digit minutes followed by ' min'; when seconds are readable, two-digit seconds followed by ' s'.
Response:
2 h 03 min
